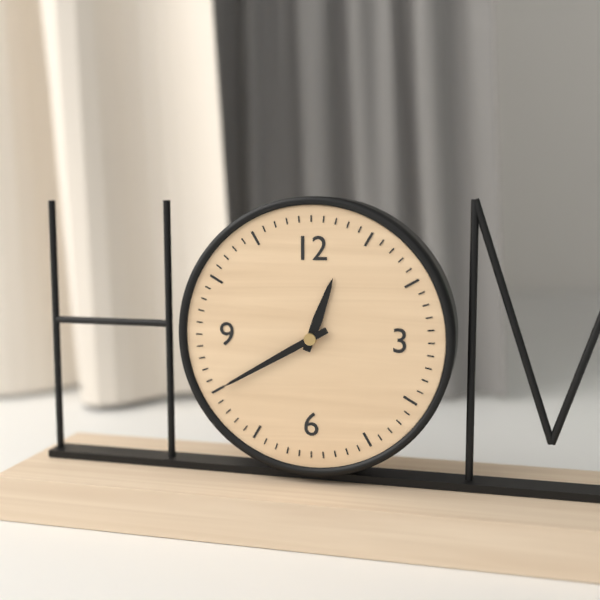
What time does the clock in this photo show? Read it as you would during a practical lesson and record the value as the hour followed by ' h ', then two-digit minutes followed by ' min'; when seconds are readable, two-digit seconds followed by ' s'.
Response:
12 h 40 min
